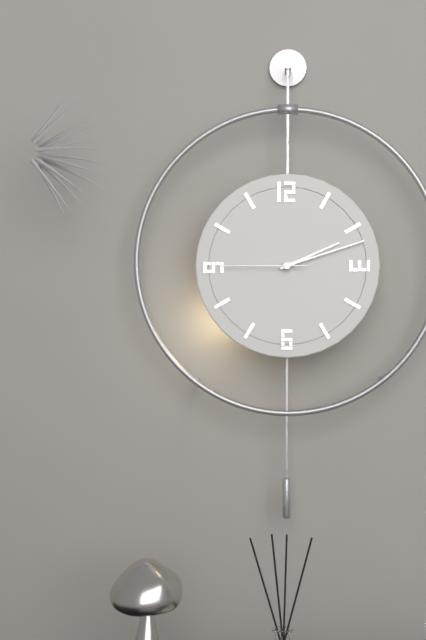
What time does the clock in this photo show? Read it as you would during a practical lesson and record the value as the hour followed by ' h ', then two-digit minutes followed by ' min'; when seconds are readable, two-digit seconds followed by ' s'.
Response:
2 h 12 min 45 s
